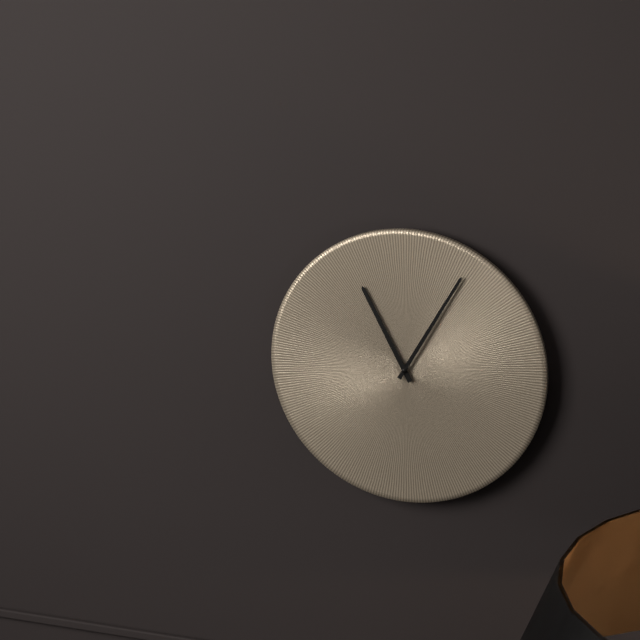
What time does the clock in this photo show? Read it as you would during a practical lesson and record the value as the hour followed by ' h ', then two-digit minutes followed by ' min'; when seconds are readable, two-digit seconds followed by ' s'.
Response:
11 h 05 min
